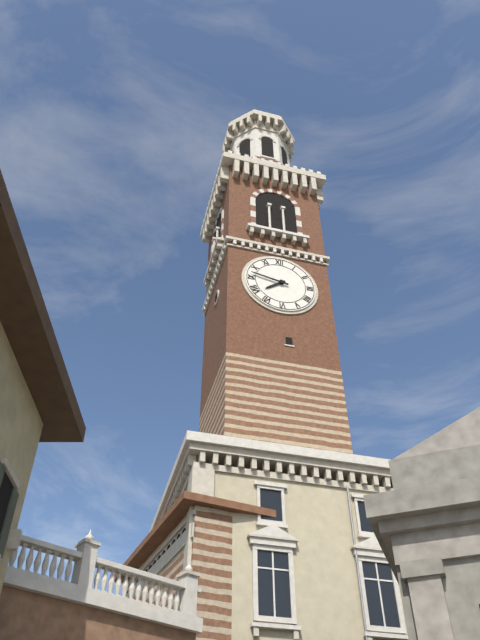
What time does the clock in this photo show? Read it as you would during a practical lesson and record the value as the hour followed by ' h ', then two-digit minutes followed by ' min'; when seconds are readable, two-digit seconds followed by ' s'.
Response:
7 h 47 min
